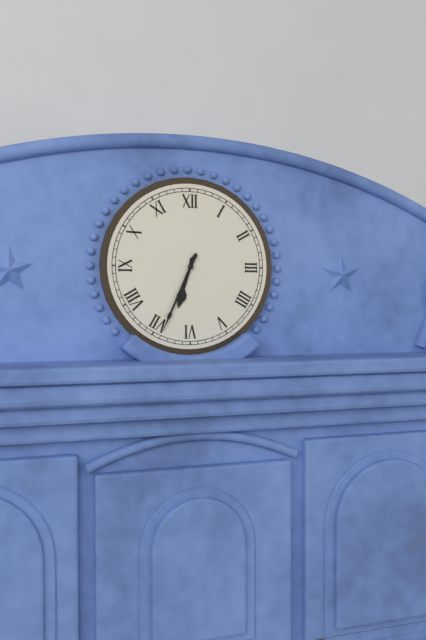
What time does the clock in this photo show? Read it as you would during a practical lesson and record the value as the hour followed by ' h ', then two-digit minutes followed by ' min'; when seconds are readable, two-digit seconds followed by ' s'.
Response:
6 h 34 min
